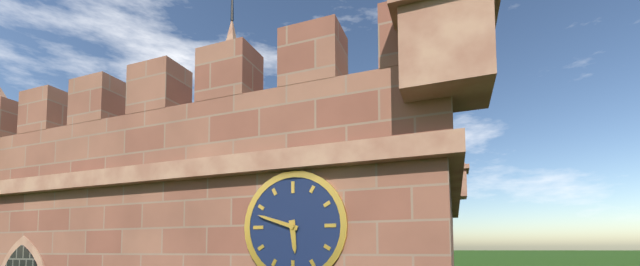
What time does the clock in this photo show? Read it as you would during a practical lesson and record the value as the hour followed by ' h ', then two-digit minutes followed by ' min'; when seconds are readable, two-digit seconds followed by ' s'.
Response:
5 h 48 min
